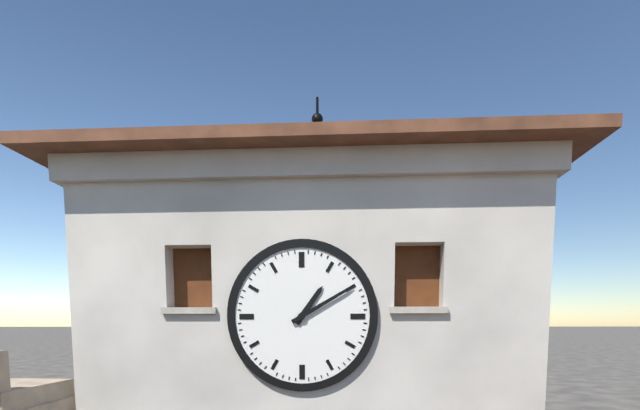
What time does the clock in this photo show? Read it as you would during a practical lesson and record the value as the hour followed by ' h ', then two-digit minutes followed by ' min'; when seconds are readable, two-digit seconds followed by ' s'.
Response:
1 h 10 min
